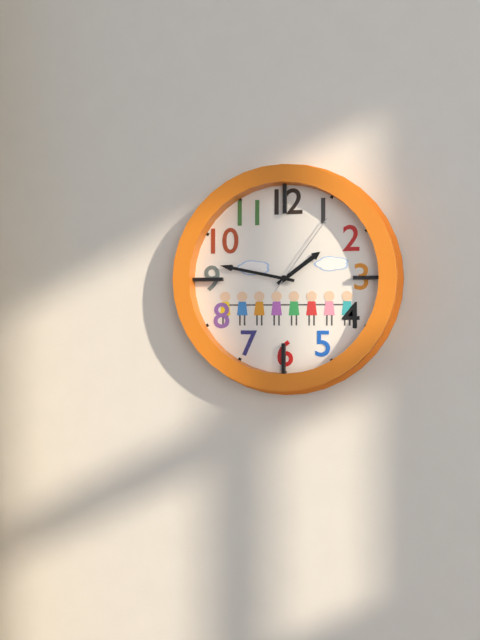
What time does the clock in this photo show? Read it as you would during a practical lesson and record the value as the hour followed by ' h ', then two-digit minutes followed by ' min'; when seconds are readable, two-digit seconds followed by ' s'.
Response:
1 h 47 min 06 s
